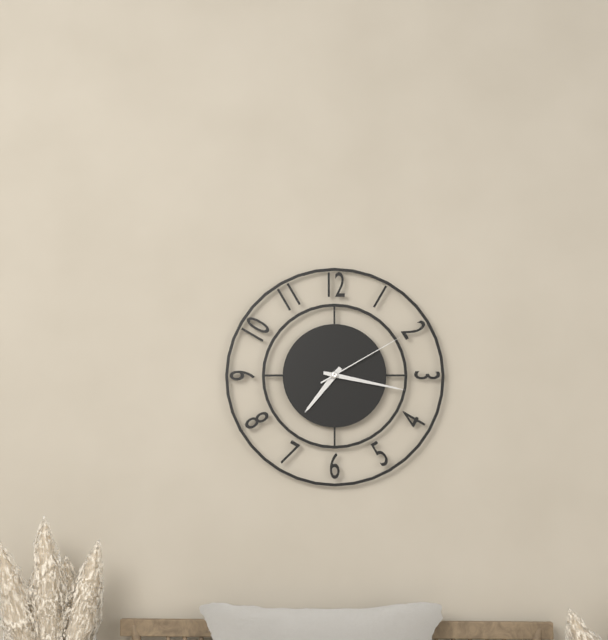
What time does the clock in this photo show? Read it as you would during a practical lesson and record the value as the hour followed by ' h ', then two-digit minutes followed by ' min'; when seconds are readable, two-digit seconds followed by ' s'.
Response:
7 h 17 min 10 s
